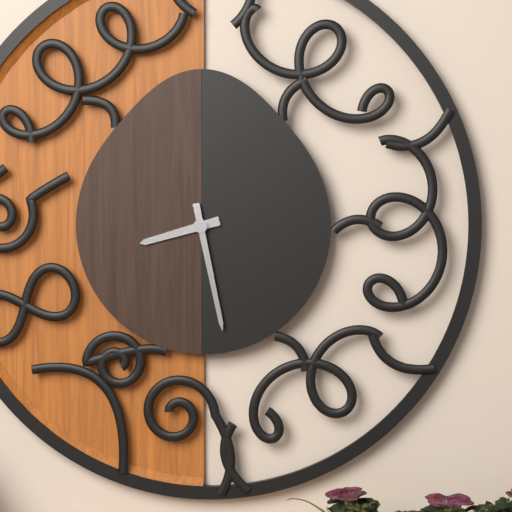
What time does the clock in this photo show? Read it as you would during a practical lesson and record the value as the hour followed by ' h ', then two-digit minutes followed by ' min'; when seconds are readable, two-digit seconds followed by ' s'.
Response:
8 h 28 min
